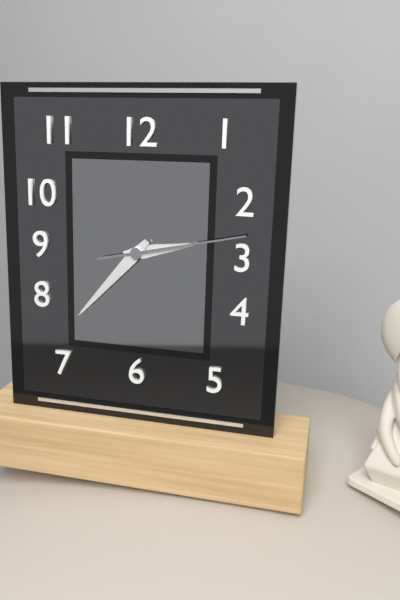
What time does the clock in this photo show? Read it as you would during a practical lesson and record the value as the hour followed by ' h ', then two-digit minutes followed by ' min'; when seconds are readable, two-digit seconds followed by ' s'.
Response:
2 h 37 min 13 s
